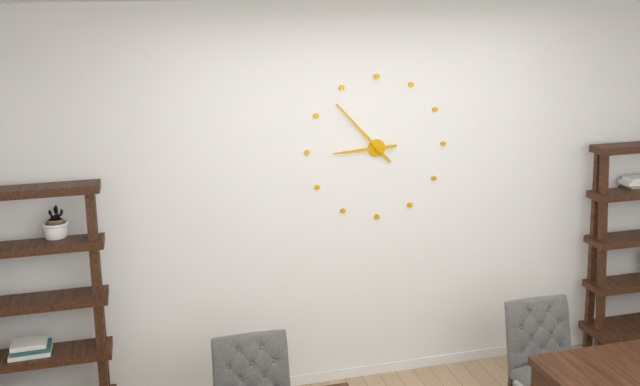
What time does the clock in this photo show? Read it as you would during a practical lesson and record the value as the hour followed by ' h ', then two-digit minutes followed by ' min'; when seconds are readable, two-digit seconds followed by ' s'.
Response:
8 h 53 min
